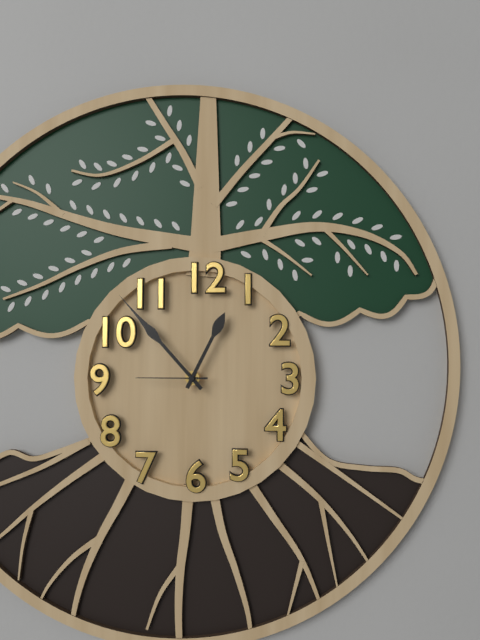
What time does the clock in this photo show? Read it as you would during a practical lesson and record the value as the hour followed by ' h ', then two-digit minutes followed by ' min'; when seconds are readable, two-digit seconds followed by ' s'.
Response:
12 h 53 min 45 s
